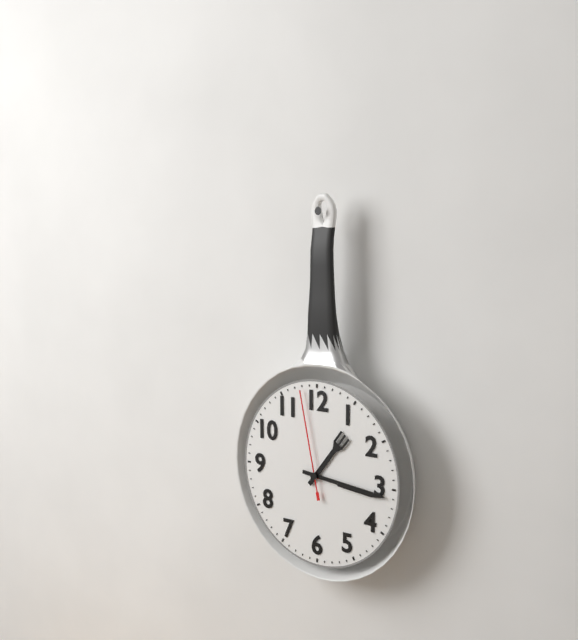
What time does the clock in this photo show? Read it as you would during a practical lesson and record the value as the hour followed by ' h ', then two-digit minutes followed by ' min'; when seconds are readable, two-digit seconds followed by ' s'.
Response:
1 h 16 min 58 s
